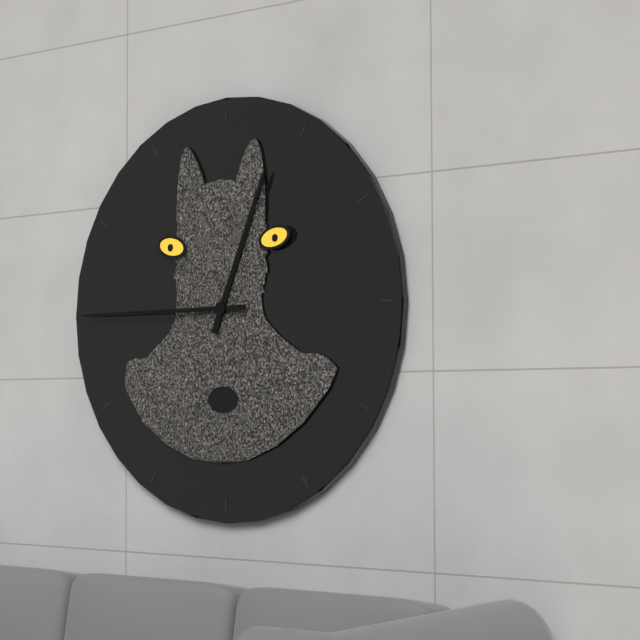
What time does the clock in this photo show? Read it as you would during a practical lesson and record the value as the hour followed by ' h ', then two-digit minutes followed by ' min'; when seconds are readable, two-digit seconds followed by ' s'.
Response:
12 h 45 min
